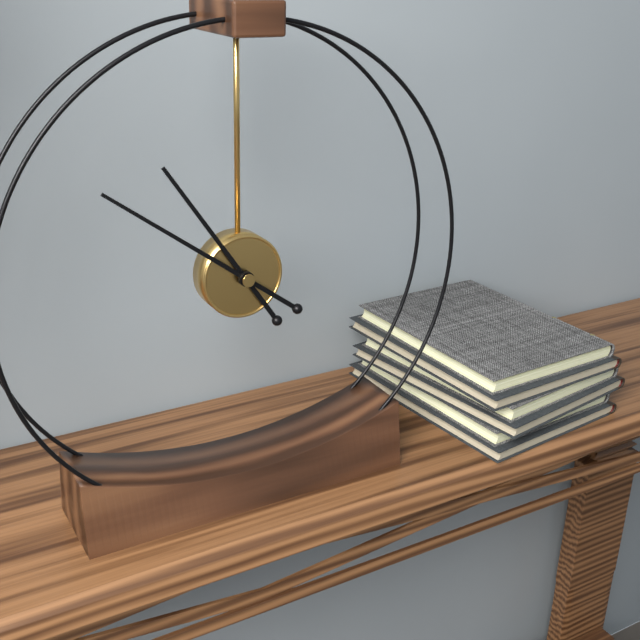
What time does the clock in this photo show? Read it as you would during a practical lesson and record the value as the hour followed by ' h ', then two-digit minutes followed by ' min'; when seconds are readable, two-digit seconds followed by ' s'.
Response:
10 h 51 min
